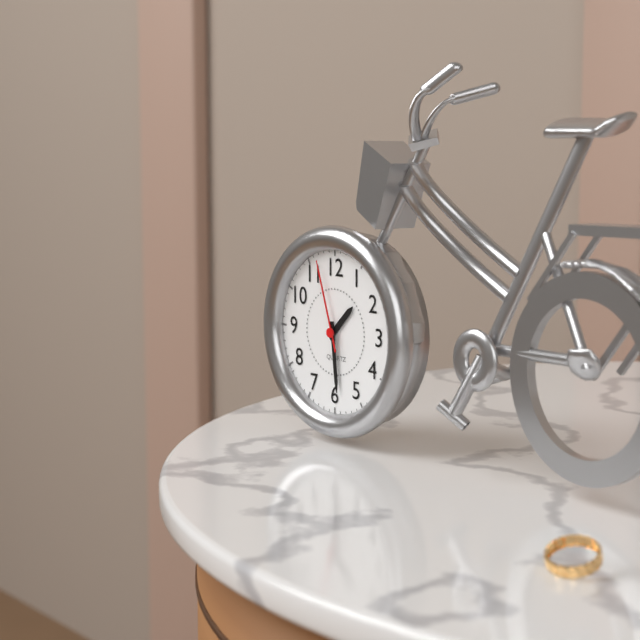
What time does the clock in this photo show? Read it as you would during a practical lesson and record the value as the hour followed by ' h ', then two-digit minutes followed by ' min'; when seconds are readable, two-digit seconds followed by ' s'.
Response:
1 h 29 min 57 s
